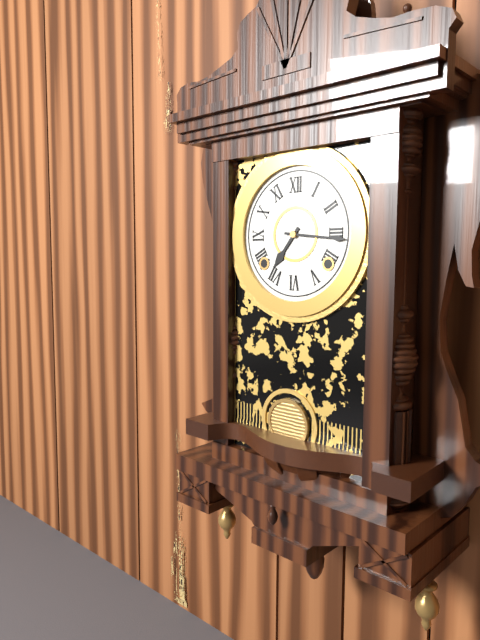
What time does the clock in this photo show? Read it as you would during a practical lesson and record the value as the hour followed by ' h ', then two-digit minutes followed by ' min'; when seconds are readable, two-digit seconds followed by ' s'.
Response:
7 h 16 min
